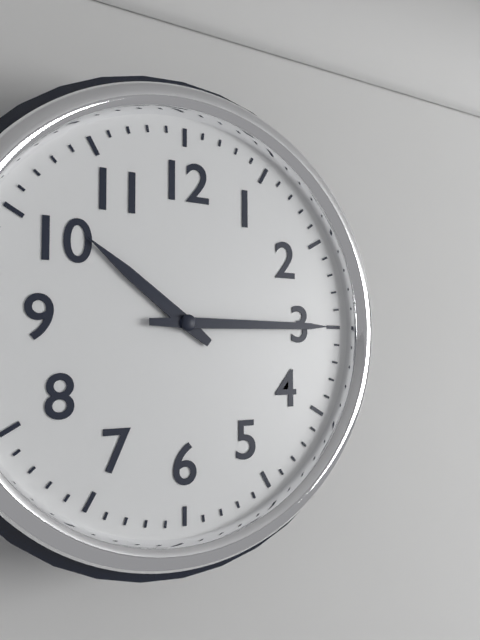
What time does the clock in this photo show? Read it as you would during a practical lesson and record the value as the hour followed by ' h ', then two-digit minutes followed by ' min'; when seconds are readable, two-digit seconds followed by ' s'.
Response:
10 h 15 min
